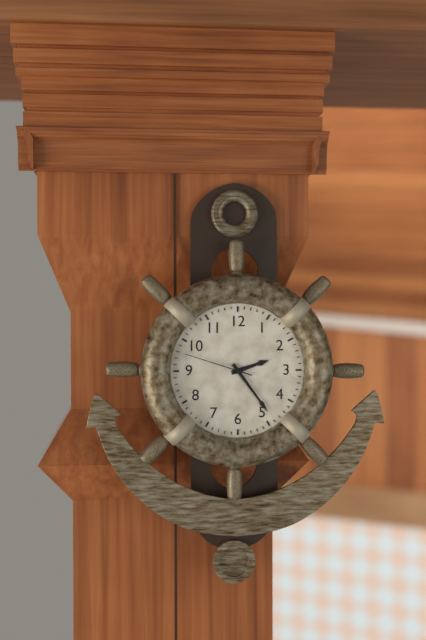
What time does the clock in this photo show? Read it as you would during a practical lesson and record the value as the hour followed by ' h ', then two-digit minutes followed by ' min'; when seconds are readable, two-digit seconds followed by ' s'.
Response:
2 h 24 min 48 s
